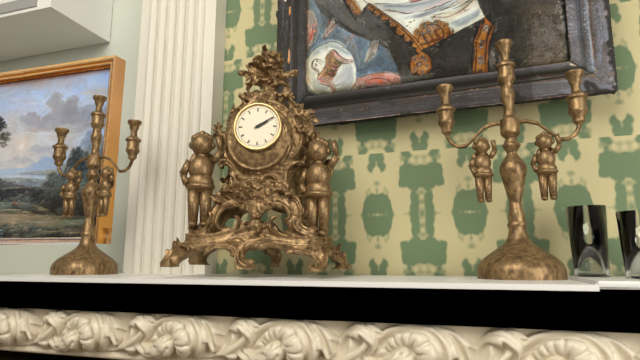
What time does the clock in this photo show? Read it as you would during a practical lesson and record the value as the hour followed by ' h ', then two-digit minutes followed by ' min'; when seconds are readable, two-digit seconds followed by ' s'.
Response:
2 h 10 min
